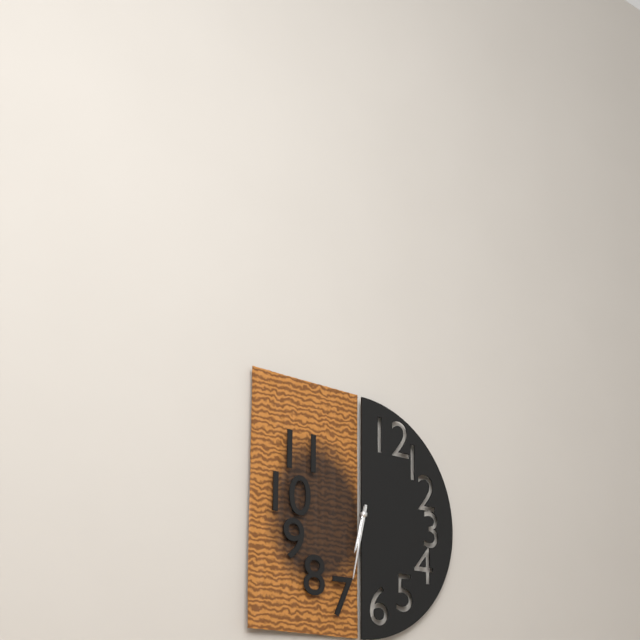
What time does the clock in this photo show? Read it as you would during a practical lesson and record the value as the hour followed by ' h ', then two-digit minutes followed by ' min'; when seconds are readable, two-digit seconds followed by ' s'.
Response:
6 h 32 min
